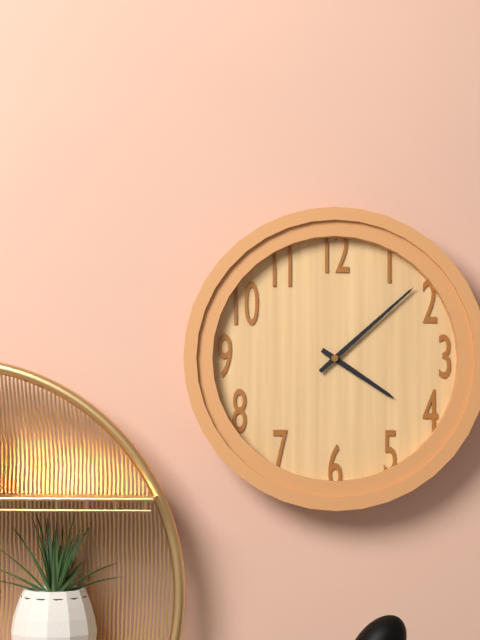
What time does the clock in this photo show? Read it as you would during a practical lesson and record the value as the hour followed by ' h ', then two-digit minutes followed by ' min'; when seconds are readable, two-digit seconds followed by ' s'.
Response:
4 h 08 min
